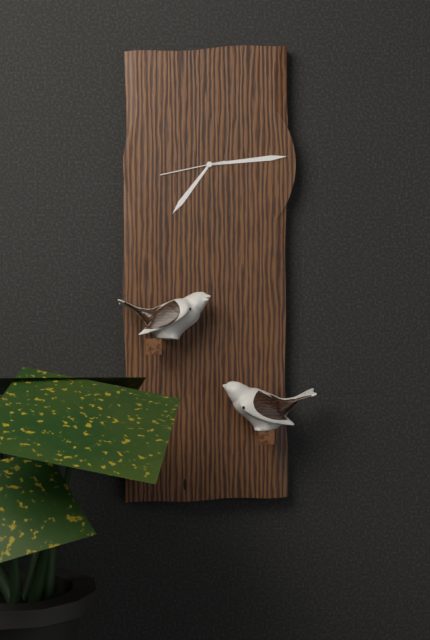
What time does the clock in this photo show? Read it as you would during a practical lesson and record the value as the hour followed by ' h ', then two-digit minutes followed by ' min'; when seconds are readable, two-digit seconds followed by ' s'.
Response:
7 h 14 min 43 s
